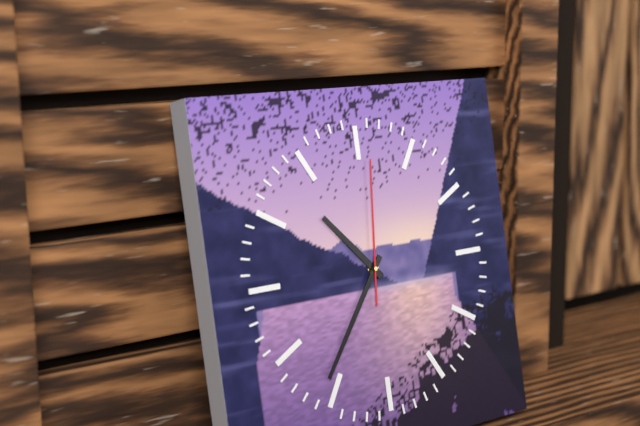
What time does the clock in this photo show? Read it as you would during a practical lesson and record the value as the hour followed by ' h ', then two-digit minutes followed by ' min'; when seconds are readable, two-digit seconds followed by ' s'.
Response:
10 h 36 min 01 s
